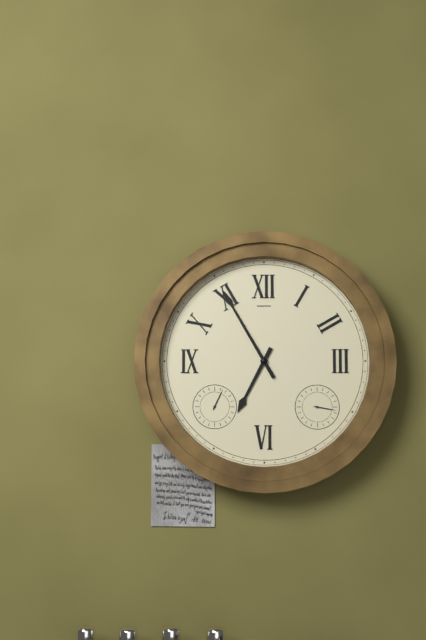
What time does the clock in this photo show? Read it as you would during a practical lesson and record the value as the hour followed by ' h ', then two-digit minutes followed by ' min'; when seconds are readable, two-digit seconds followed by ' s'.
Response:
6 h 55 min
